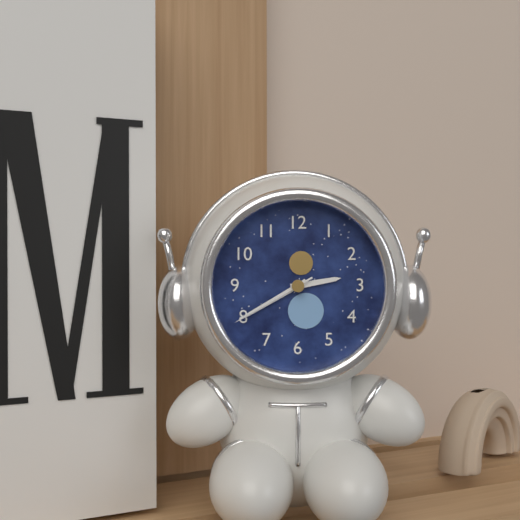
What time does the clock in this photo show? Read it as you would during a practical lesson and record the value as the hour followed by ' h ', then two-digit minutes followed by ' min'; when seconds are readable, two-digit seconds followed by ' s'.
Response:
2 h 40 min 40 s
